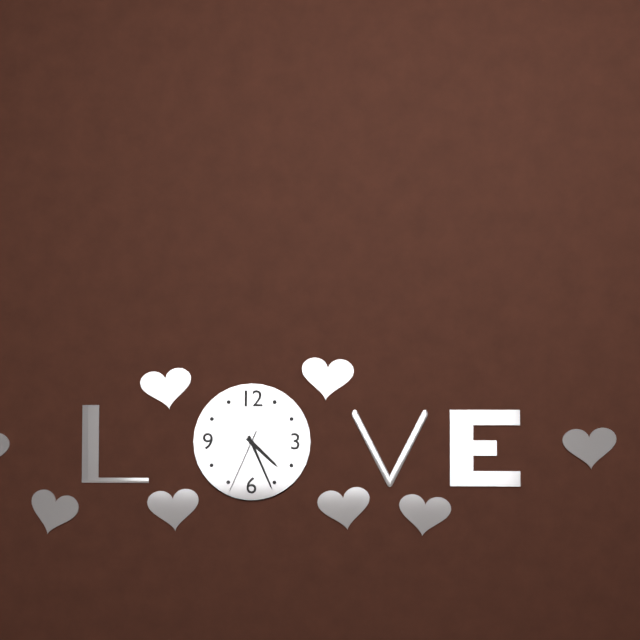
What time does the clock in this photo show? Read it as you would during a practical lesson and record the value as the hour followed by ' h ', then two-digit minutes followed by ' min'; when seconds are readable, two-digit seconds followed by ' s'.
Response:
4 h 26 min 34 s
